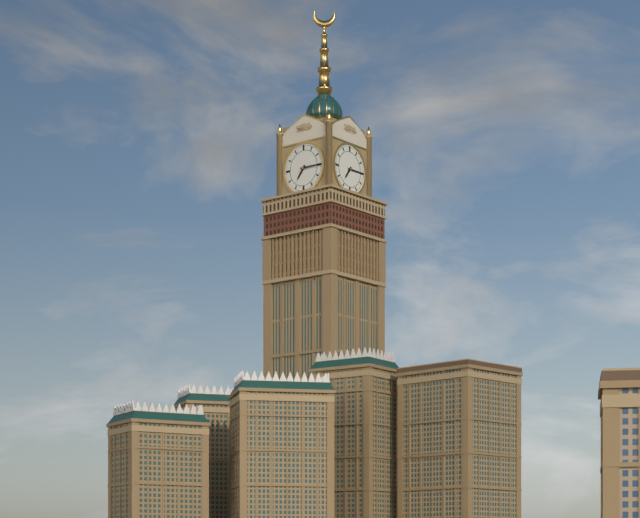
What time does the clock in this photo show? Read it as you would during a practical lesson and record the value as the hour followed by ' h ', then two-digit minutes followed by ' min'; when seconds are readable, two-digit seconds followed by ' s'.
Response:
7 h 15 min
